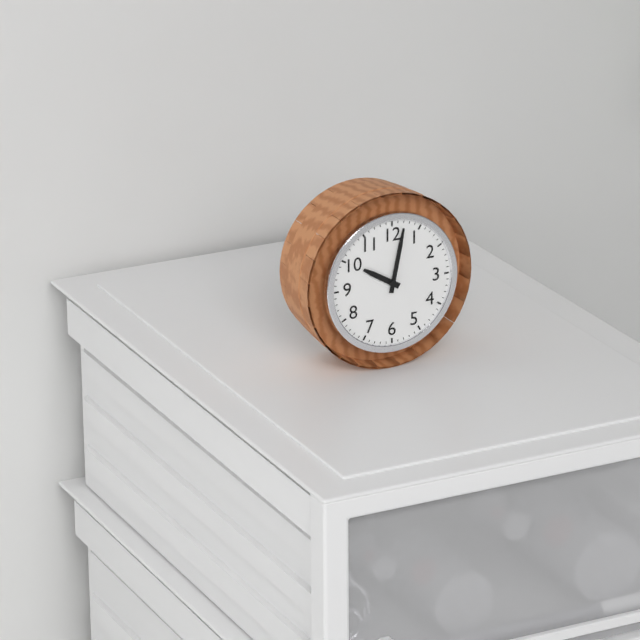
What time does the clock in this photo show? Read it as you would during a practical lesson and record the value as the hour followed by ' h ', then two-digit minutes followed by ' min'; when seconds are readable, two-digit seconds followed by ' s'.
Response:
10 h 02 min
